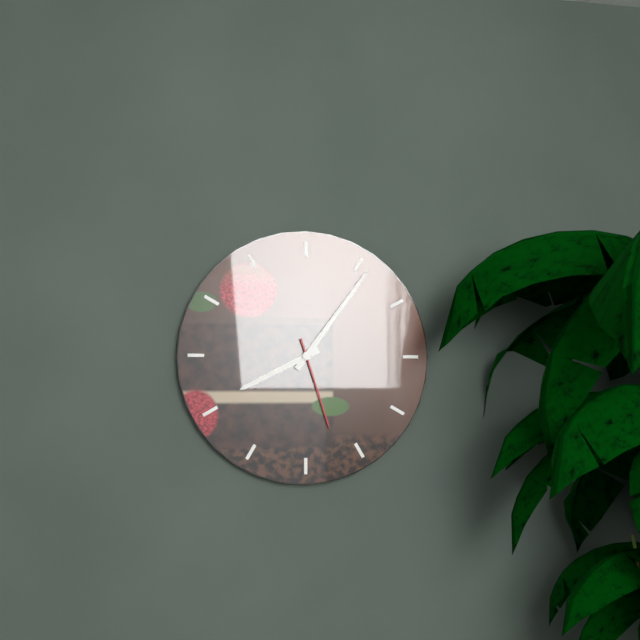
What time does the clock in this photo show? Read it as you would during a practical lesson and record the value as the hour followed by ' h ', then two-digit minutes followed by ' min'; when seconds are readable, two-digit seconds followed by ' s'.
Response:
8 h 06 min 27 s
